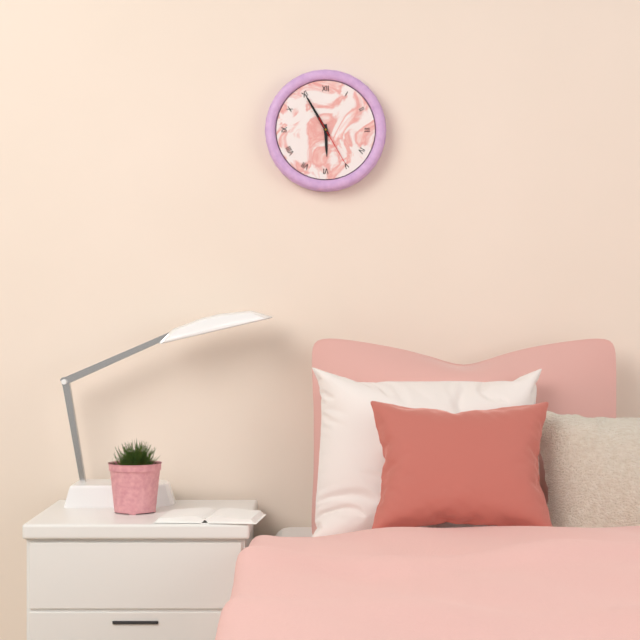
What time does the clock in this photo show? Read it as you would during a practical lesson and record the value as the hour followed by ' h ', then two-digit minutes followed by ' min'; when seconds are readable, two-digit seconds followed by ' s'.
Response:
5 h 55 min
